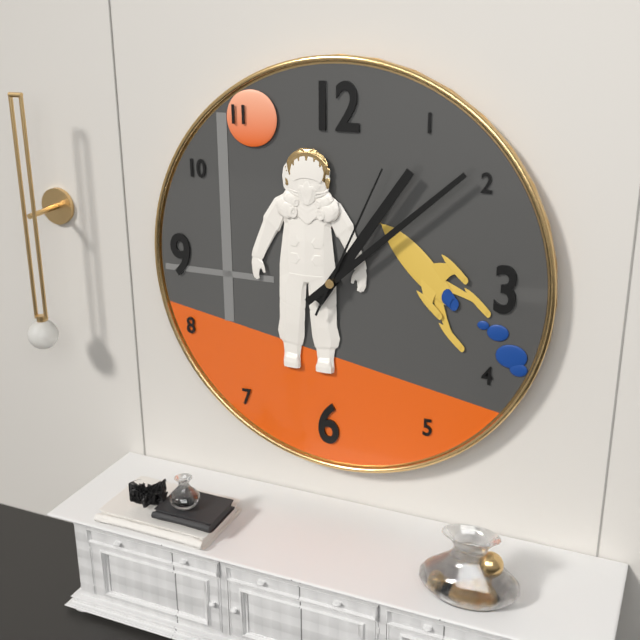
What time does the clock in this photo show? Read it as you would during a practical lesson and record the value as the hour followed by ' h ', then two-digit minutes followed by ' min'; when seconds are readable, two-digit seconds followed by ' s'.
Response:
1 h 08 min 04 s
